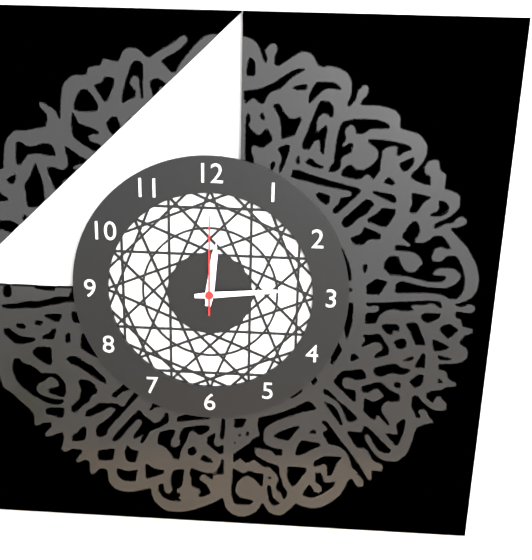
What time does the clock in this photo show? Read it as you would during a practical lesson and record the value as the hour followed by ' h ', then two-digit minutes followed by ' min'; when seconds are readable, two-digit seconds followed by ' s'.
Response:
12 h 14 min 00 s
